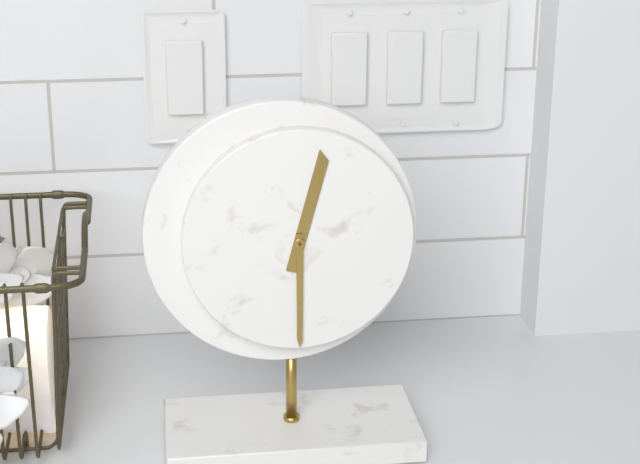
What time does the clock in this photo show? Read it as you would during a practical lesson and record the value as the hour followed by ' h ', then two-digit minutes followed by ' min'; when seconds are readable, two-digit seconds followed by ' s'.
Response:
12 h 30 min
